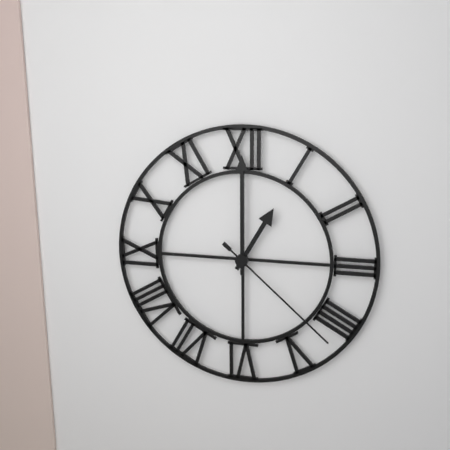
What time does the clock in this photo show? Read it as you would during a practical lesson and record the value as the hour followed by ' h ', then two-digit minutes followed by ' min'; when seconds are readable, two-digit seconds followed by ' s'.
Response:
1 h 00 min 22 s
